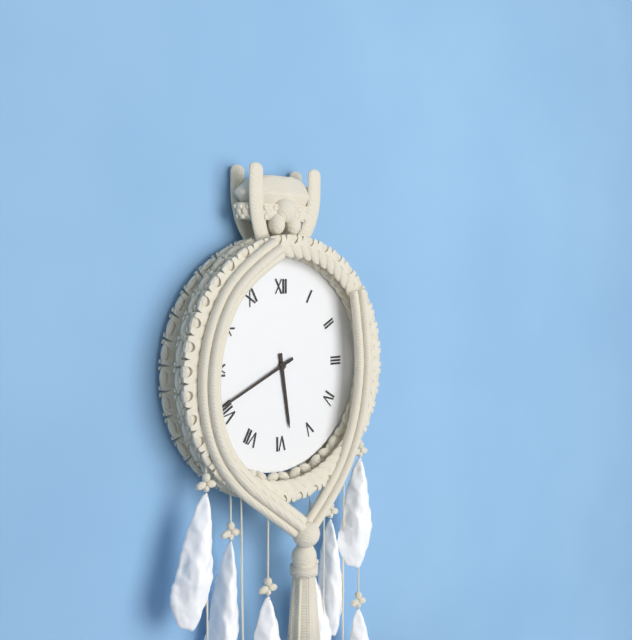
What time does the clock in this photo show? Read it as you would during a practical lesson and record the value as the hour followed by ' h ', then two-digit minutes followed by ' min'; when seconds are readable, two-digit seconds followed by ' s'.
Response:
5 h 41 min
